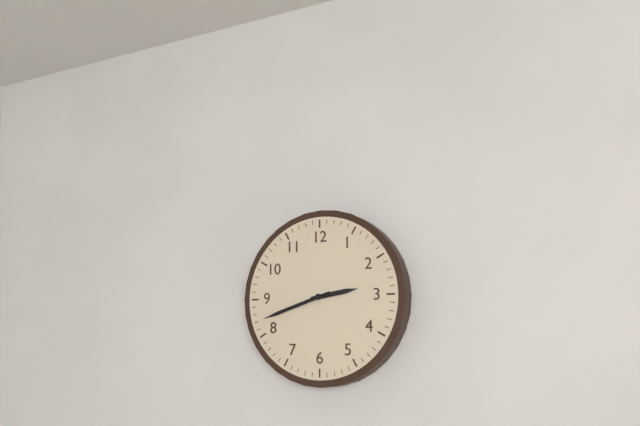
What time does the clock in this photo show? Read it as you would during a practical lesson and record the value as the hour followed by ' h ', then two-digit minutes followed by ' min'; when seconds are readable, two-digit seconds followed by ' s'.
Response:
2 h 42 min
